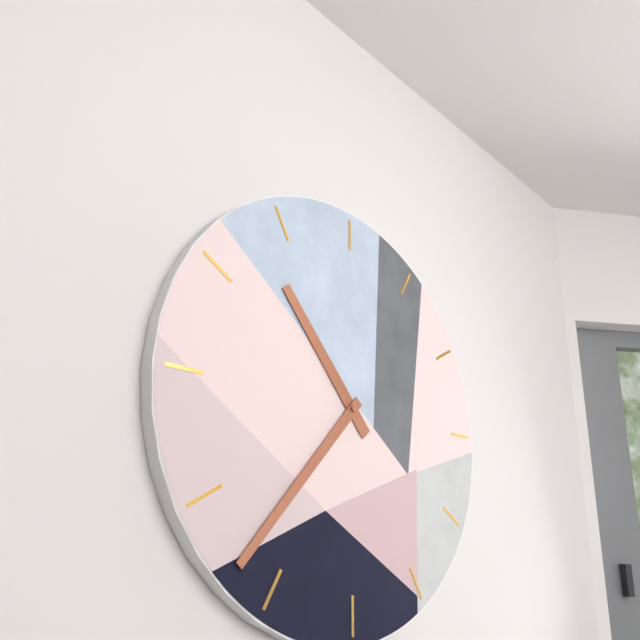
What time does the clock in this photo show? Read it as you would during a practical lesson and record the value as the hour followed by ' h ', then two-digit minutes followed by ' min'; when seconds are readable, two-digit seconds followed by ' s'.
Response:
10 h 37 min
